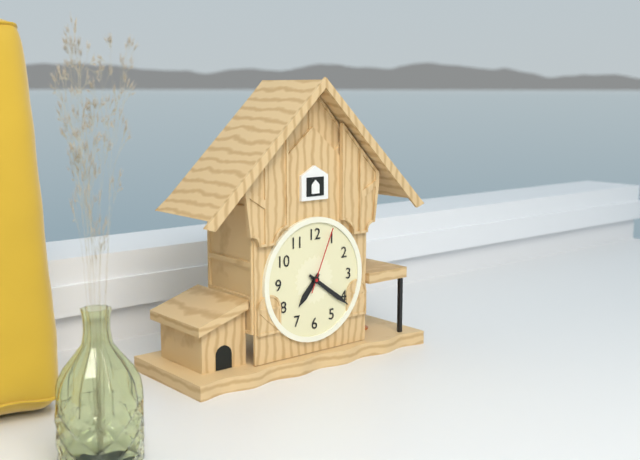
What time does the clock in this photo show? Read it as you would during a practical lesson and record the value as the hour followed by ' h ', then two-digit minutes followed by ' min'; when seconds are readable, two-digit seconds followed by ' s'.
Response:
7 h 21 min 04 s
